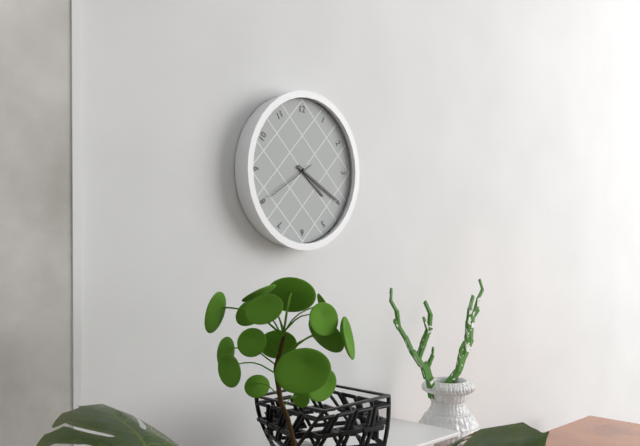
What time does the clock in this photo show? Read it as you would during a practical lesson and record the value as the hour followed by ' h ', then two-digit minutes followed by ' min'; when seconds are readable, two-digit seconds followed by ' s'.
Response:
4 h 20 min 40 s
